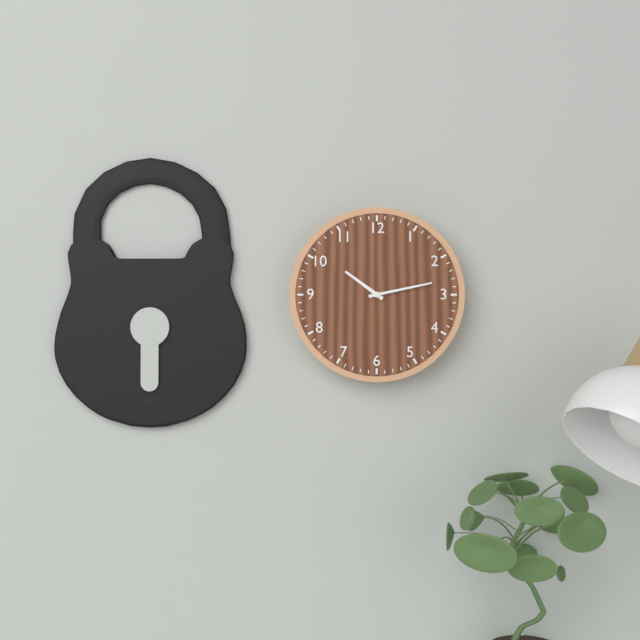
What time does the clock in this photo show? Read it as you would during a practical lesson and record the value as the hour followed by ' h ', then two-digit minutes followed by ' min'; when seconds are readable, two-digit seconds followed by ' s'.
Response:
10 h 13 min
